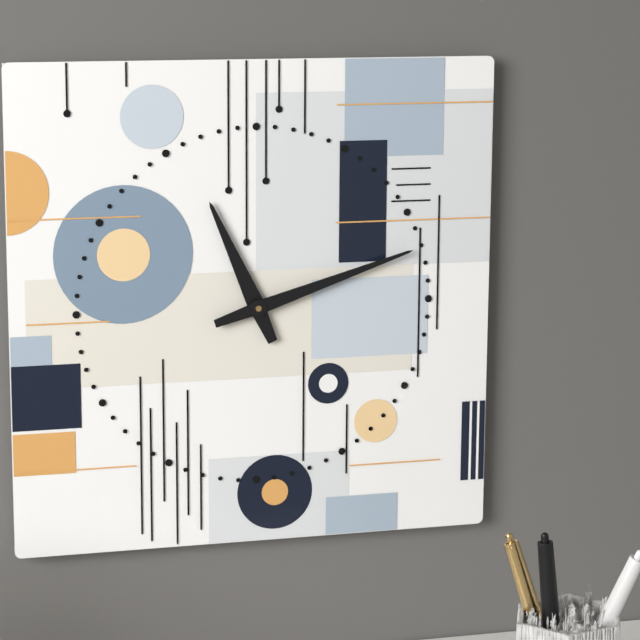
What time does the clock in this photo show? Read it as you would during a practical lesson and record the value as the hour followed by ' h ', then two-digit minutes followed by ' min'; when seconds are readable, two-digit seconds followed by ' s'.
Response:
11 h 12 min
